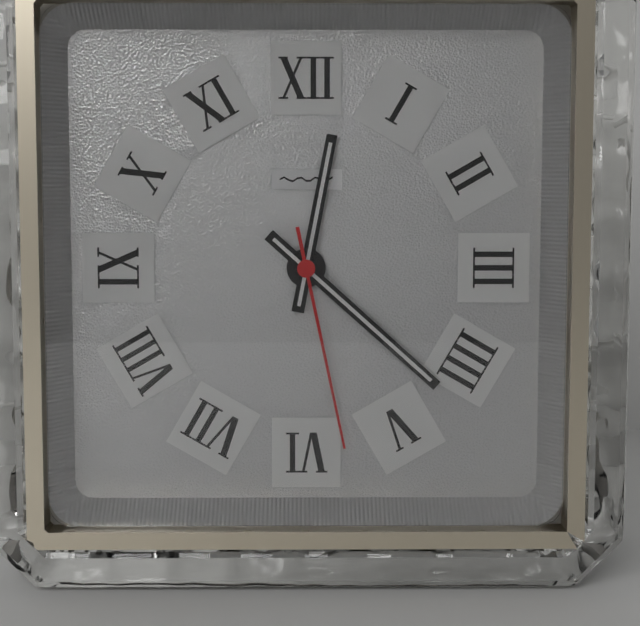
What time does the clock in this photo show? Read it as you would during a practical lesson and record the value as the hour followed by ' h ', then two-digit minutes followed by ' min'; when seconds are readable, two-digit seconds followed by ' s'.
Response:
12 h 22 min 28 s
